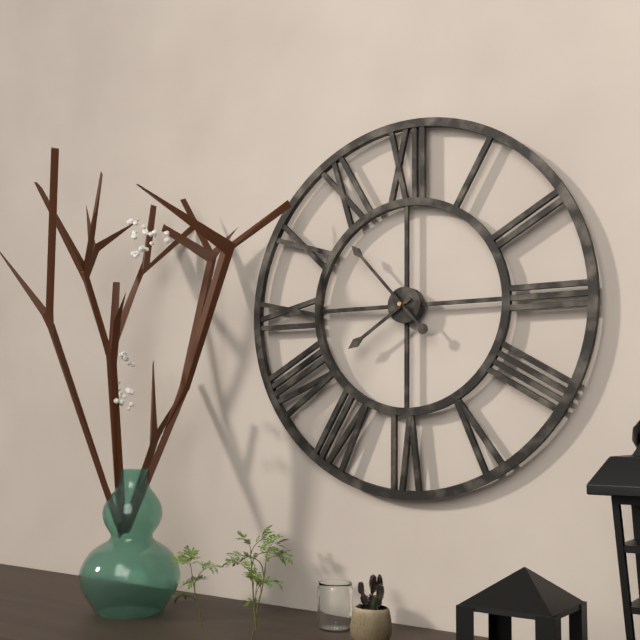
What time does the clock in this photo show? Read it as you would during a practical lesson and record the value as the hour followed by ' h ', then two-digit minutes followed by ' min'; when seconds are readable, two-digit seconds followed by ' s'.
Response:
7 h 53 min
